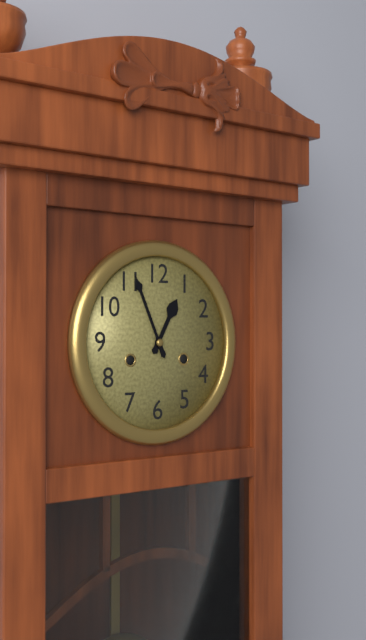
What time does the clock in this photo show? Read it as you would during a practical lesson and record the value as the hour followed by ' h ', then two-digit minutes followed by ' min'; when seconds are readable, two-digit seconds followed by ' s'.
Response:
12 h 56 min
